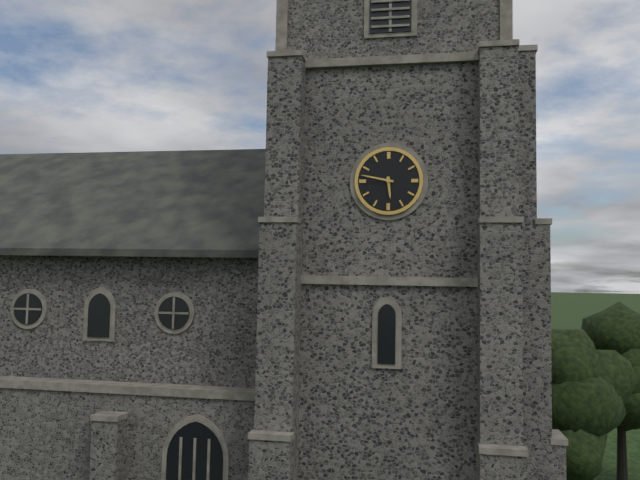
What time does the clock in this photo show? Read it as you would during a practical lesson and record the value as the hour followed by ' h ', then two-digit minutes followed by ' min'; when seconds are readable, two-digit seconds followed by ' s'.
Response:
5 h 47 min
